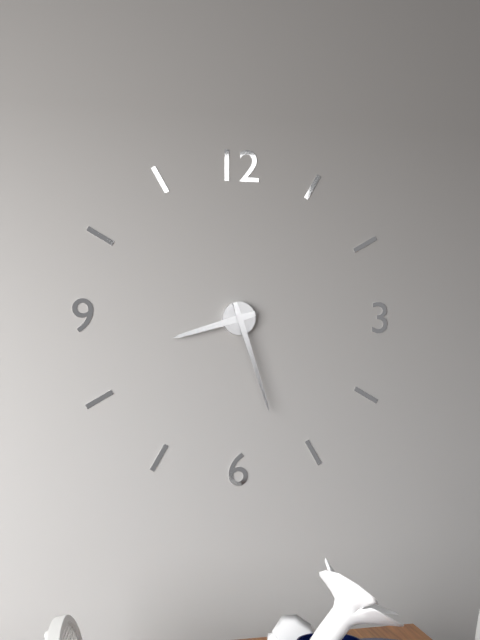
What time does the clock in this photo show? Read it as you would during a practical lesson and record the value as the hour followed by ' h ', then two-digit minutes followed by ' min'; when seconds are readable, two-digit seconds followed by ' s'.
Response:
8 h 27 min
